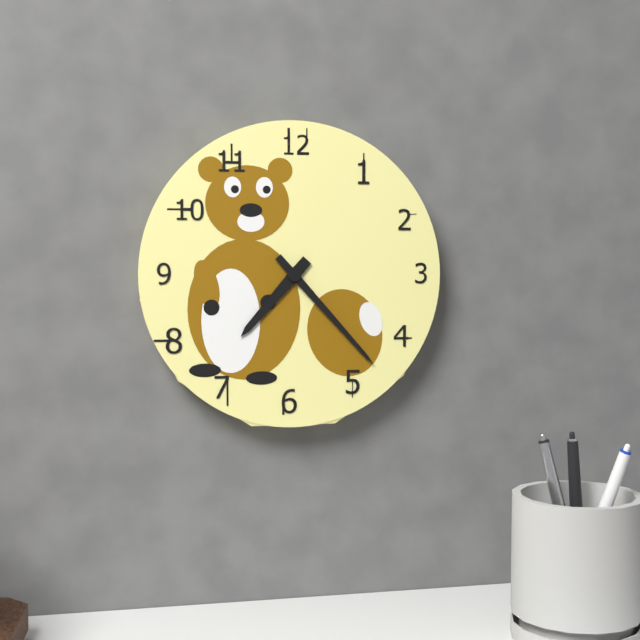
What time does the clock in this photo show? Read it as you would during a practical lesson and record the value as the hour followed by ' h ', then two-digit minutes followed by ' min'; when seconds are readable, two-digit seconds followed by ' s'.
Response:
7 h 23 min
